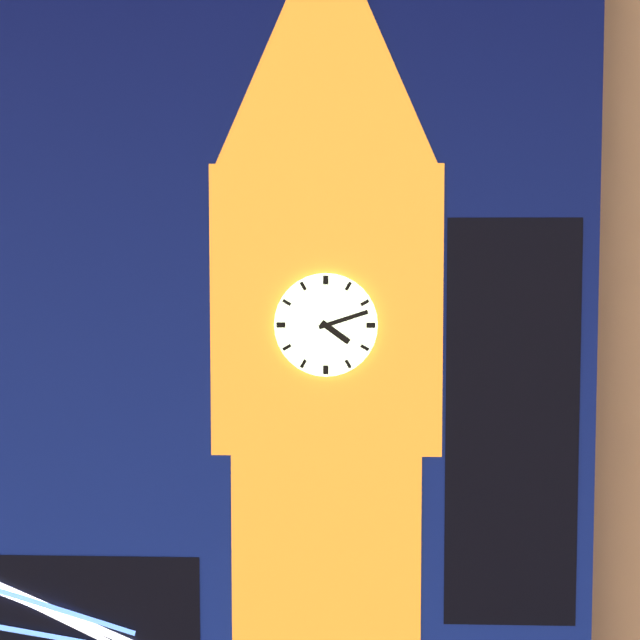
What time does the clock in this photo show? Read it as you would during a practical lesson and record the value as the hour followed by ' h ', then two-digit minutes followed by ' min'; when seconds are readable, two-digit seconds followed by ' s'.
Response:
4 h 12 min
